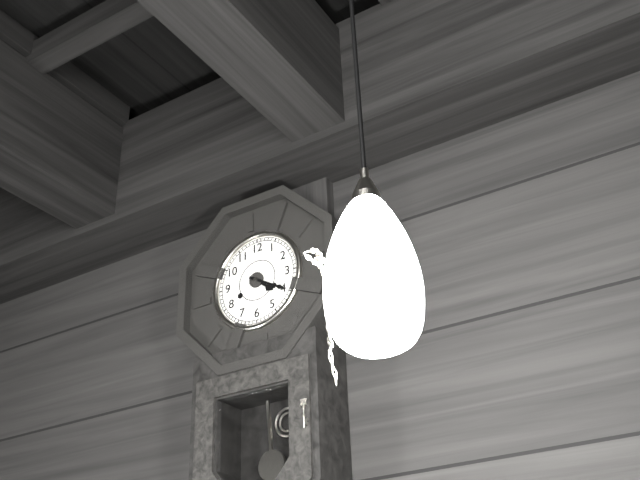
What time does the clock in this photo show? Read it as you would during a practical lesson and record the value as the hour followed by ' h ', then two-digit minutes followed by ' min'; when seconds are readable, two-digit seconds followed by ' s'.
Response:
4 h 20 min
